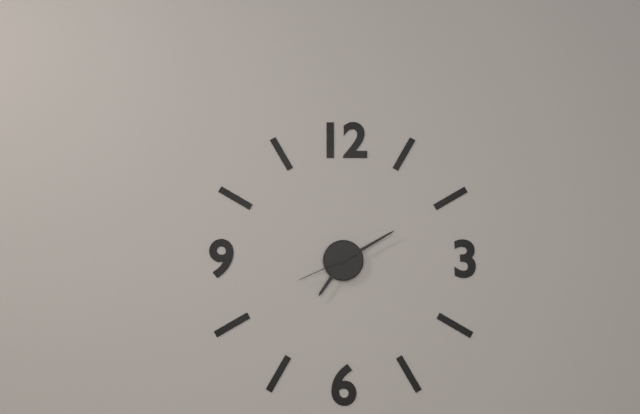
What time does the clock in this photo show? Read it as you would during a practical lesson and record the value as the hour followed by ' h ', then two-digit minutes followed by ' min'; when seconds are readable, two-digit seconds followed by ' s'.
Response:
7 h 10 min 41 s
